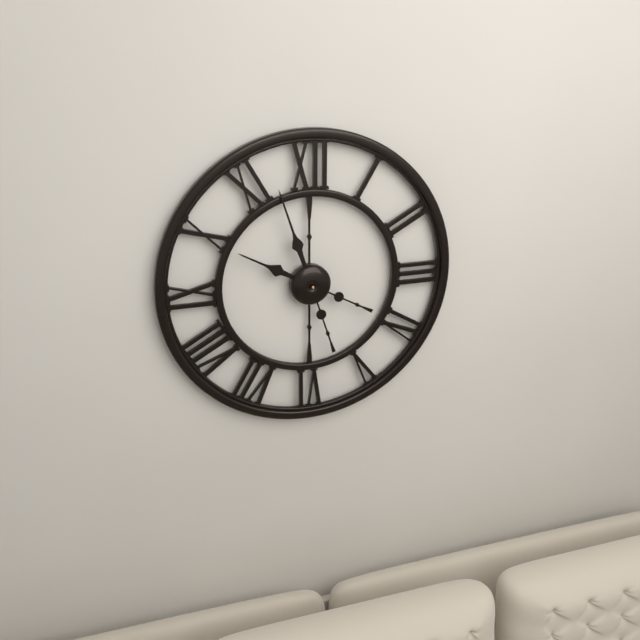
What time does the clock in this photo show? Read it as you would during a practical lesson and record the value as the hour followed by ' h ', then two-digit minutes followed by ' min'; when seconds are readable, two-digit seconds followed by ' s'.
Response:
9 h 57 min
